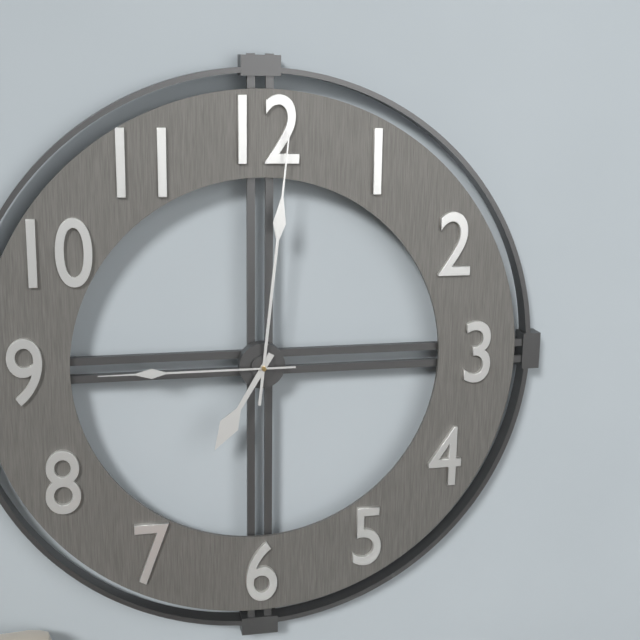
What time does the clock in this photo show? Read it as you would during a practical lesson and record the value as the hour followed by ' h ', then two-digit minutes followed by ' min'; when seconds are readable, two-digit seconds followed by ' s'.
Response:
7 h 01 min 45 s
